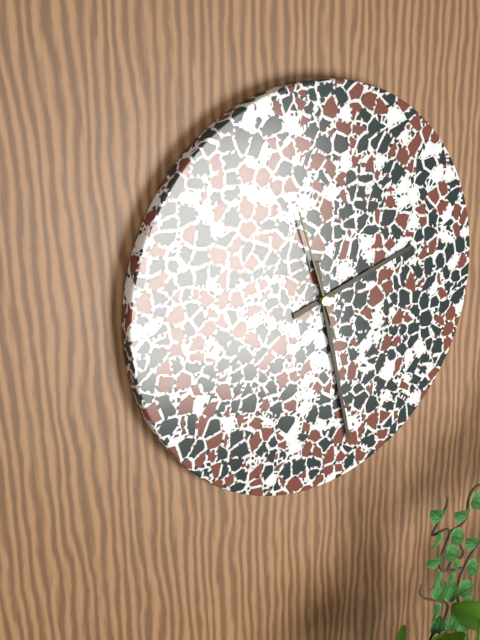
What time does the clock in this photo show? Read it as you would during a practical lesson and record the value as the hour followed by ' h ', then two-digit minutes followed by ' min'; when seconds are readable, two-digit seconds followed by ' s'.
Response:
2 h 28 min 57 s
